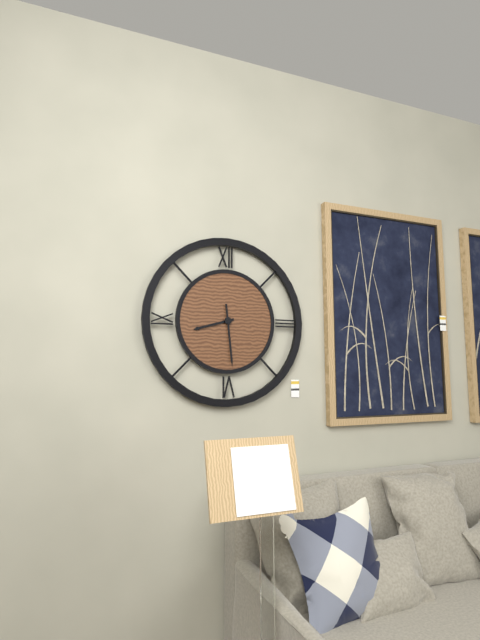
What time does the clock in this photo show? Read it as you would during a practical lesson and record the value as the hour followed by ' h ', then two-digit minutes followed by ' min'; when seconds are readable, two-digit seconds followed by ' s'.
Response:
8 h 29 min
